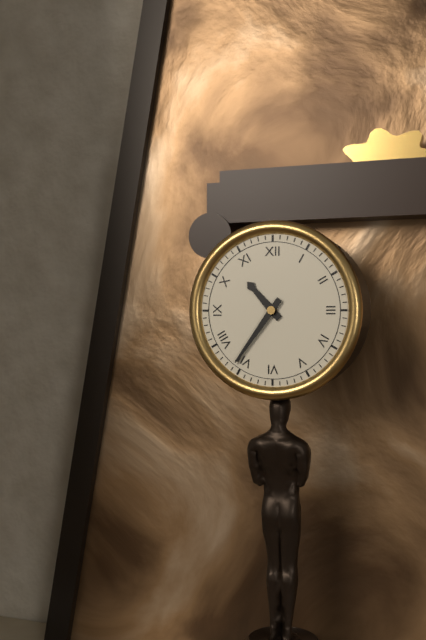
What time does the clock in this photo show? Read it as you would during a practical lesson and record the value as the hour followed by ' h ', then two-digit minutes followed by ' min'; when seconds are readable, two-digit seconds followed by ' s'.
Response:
10 h 36 min
